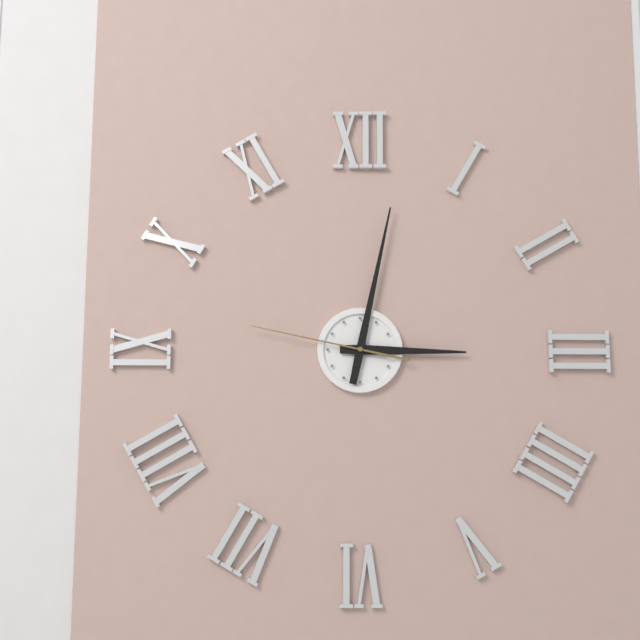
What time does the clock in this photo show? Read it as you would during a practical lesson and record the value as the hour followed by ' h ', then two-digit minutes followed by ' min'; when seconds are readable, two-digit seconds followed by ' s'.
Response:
3 h 02 min 47 s
